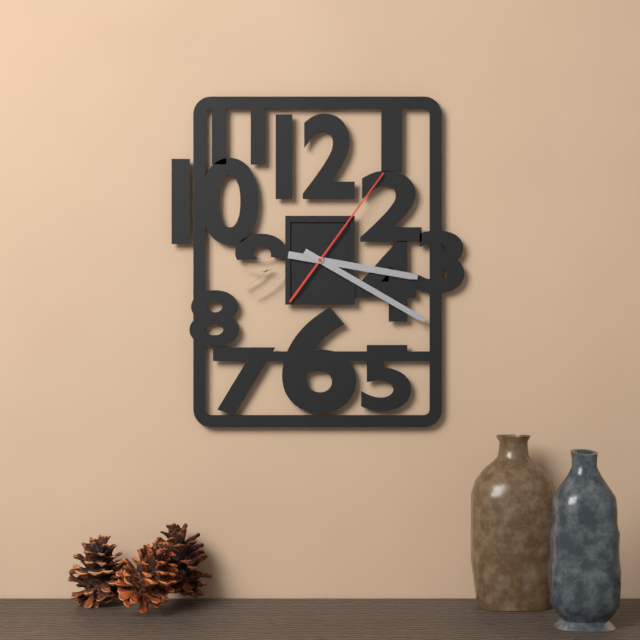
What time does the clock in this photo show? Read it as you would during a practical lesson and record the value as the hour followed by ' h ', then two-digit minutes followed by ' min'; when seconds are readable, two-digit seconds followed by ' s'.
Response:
3 h 20 min 06 s
